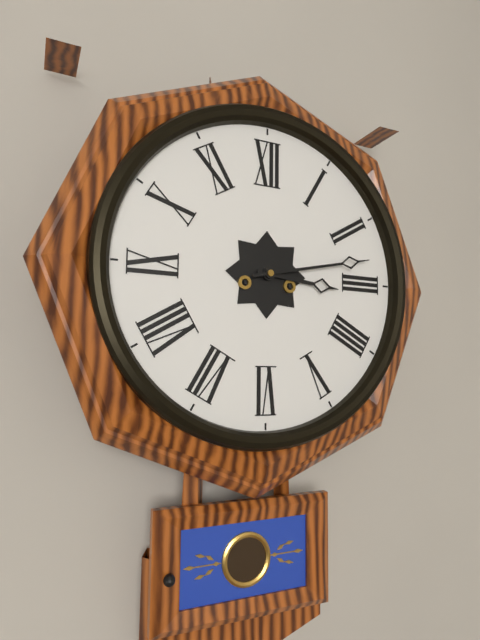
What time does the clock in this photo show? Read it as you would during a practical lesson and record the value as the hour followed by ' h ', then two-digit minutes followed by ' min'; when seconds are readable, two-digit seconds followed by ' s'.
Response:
3 h 13 min
